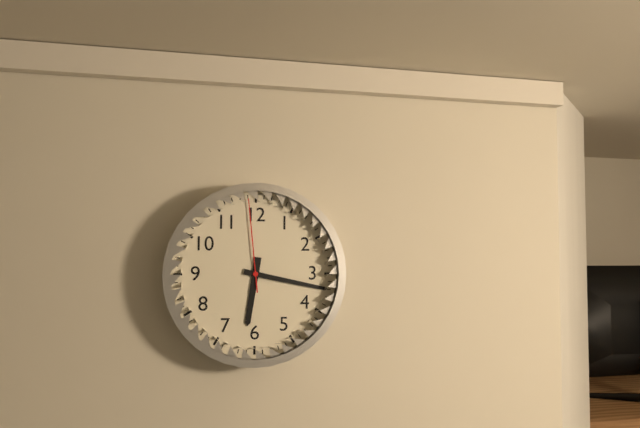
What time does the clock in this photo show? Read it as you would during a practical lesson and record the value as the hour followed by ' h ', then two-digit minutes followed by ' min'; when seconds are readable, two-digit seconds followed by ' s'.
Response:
6 h 17 min 59 s
